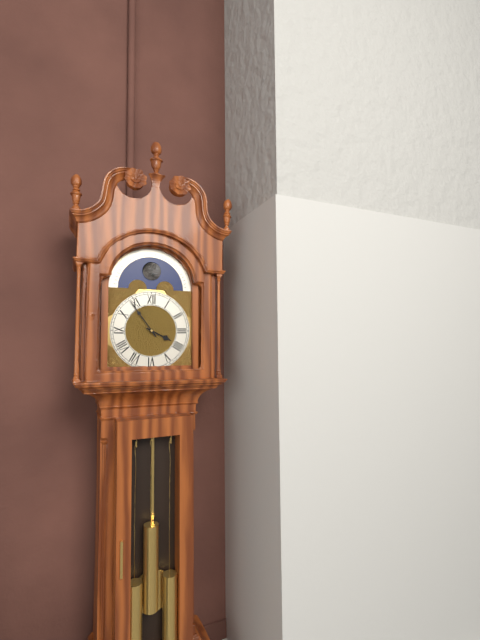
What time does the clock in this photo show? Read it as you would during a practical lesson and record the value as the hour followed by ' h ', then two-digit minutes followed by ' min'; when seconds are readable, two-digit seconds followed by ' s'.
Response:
3 h 54 min
